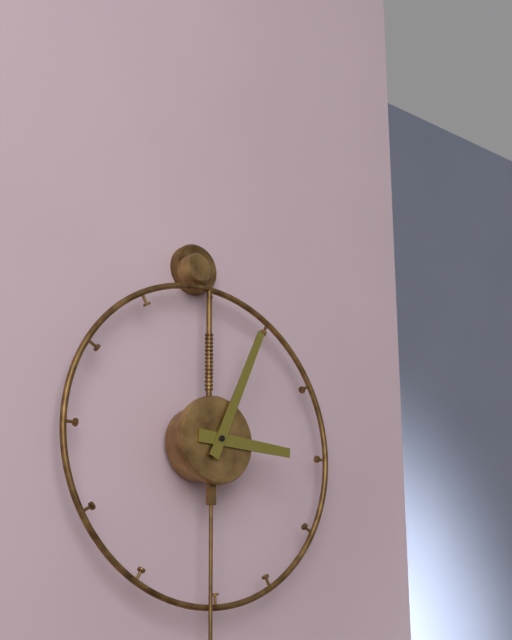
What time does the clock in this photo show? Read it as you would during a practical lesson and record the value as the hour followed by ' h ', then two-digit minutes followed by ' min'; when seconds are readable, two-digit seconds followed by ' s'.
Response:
3 h 04 min
